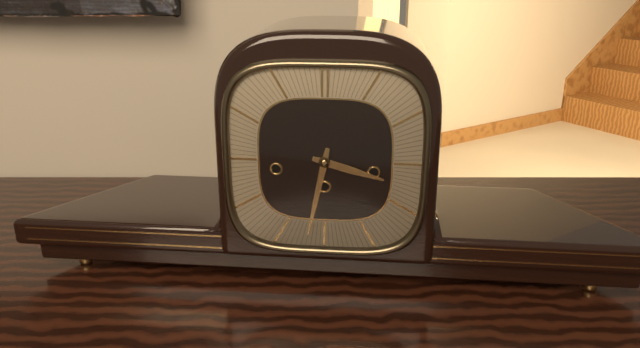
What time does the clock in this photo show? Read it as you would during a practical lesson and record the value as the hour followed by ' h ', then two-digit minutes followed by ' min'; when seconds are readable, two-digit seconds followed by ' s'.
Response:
3 h 32 min
